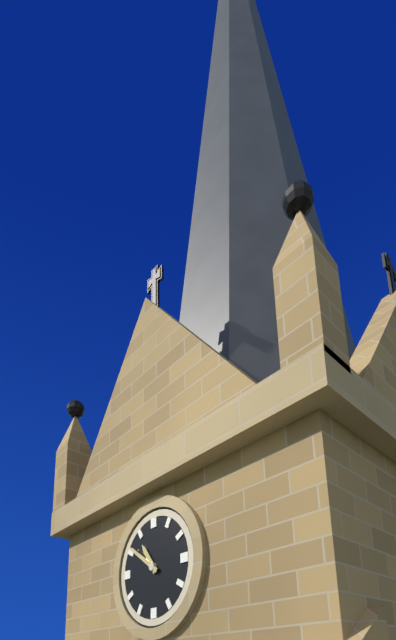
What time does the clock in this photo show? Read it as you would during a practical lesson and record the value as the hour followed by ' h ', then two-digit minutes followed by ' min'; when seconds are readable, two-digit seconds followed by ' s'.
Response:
10 h 51 min
